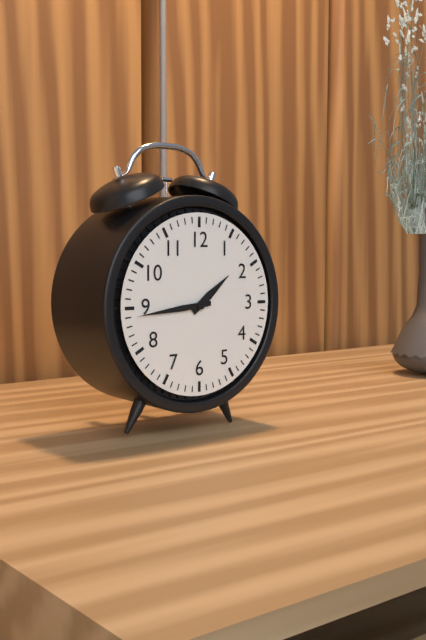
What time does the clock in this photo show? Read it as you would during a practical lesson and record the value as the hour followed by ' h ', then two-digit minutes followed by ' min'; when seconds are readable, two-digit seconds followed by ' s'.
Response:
1 h 44 min
